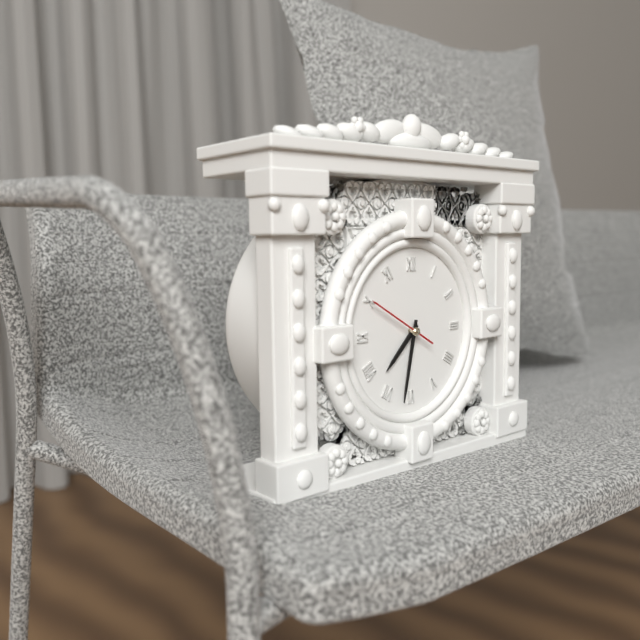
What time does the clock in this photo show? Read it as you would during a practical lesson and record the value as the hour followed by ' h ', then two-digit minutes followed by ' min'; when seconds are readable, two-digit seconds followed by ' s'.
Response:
7 h 32 min 50 s
